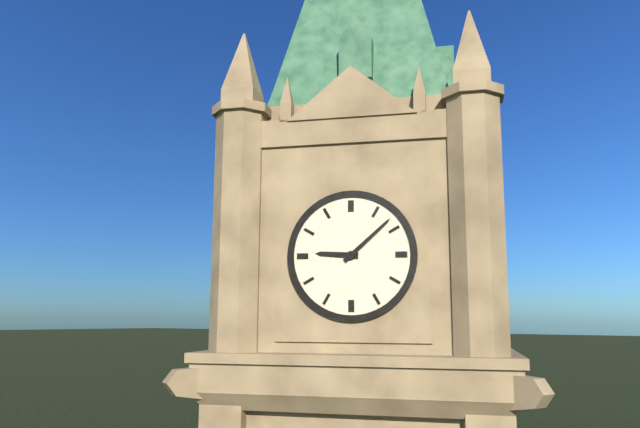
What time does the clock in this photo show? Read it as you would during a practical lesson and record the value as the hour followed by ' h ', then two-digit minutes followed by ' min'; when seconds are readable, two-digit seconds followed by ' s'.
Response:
9 h 08 min
